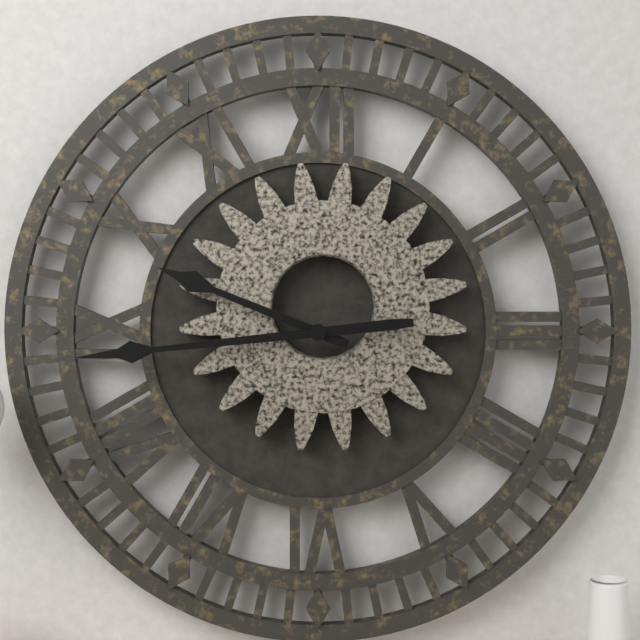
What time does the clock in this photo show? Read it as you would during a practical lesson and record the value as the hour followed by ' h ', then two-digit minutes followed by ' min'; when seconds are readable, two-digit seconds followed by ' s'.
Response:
9 h 44 min
